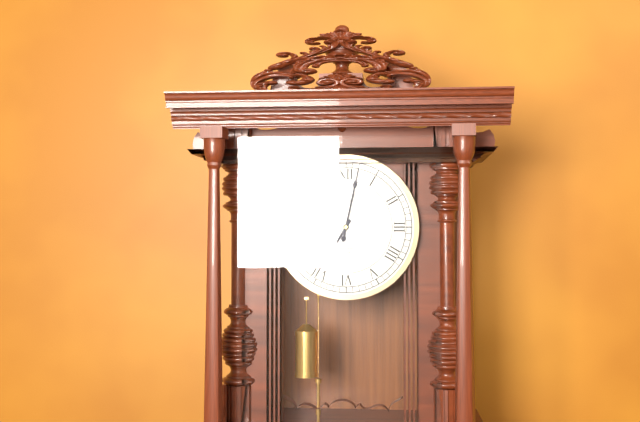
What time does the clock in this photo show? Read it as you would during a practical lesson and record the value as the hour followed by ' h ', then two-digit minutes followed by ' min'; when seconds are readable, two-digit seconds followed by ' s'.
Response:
7 h 02 min
